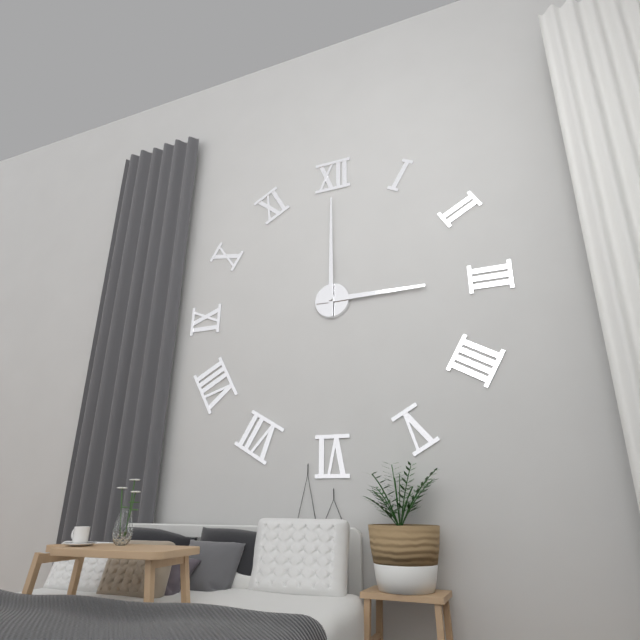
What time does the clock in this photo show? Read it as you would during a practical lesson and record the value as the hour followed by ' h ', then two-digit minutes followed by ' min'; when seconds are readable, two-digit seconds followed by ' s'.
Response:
3 h 00 min
